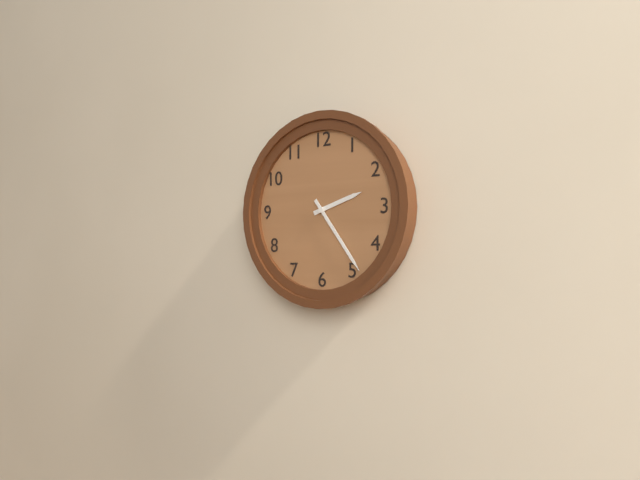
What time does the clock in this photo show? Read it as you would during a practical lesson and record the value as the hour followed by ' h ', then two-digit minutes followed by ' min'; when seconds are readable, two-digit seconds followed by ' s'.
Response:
2 h 24 min
